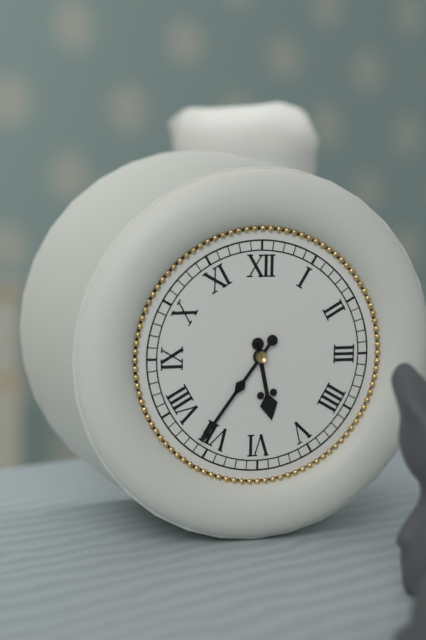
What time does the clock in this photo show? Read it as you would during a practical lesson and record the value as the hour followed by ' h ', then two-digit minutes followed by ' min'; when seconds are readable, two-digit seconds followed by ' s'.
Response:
5 h 36 min
